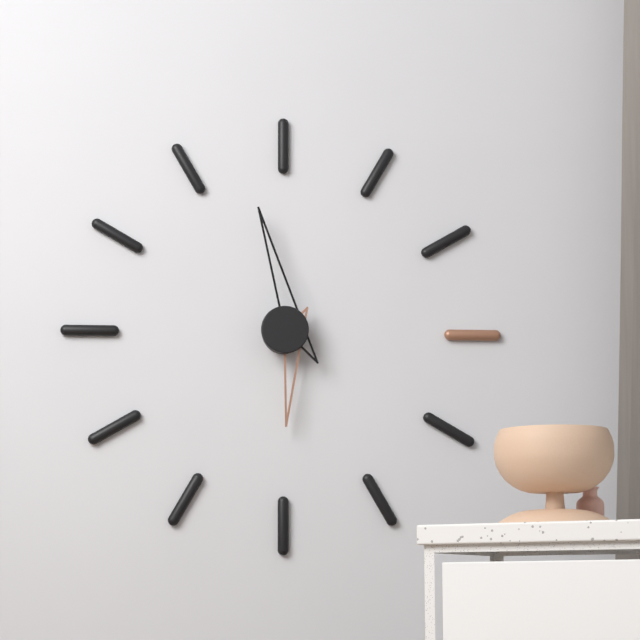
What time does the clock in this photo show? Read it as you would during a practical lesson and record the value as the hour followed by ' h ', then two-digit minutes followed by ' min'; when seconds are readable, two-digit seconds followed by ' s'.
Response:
5 h 58 min
